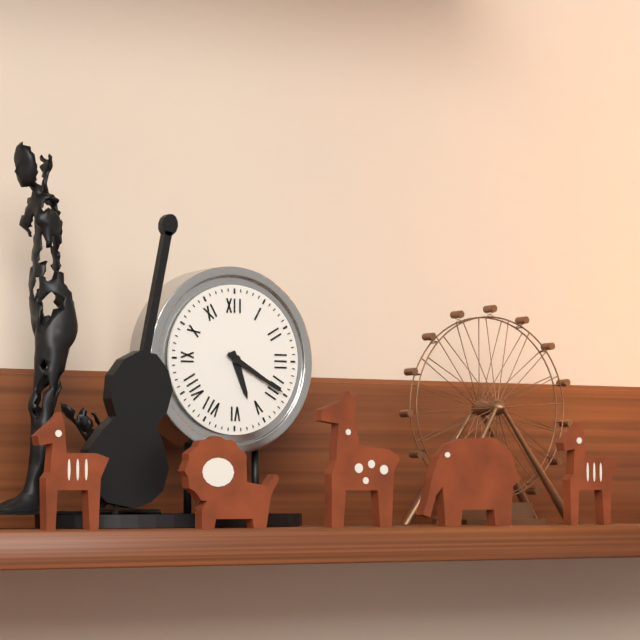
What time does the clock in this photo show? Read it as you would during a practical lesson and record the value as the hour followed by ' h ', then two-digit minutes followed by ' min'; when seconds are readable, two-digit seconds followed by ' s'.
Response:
5 h 20 min
